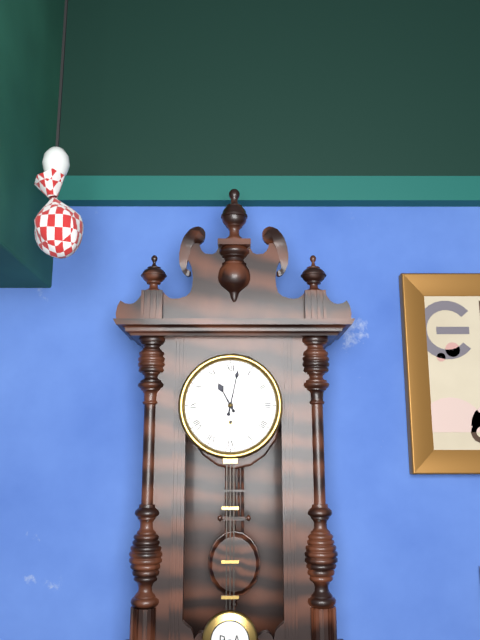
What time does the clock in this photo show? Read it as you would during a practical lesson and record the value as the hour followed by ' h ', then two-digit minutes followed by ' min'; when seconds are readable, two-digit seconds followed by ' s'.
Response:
11 h 02 min
